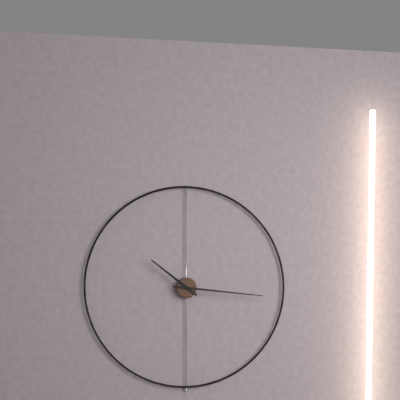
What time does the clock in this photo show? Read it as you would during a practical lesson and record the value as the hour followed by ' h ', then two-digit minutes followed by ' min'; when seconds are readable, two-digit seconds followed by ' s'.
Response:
10 h 16 min
